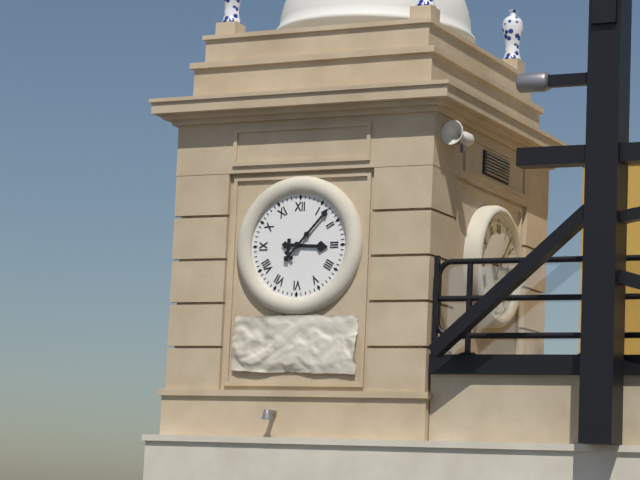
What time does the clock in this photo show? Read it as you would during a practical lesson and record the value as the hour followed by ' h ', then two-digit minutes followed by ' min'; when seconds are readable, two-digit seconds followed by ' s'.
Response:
3 h 07 min
